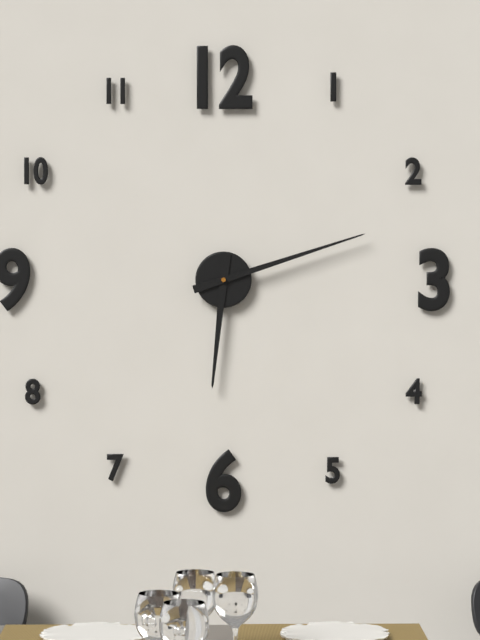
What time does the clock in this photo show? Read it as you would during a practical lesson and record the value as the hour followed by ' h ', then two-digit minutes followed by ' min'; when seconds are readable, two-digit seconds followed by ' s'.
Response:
6 h 12 min
